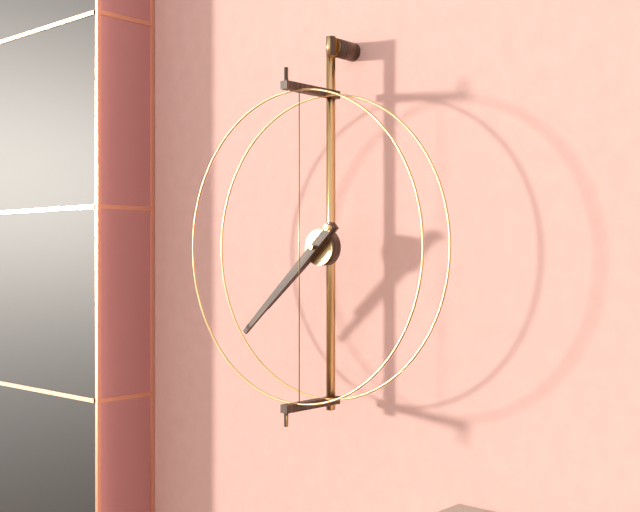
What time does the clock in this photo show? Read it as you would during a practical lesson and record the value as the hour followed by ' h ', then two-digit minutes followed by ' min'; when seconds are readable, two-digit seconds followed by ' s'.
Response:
7 h 38 min
